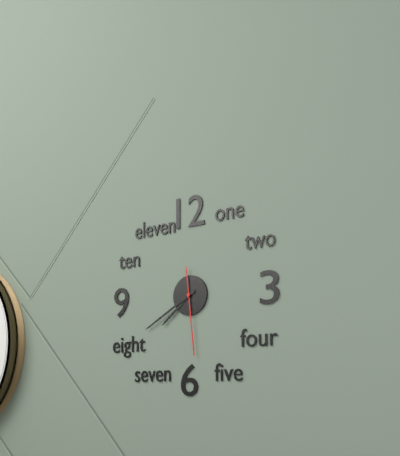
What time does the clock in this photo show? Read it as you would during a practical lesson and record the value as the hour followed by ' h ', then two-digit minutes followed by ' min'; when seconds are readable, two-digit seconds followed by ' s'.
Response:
7 h 40 min 29 s
